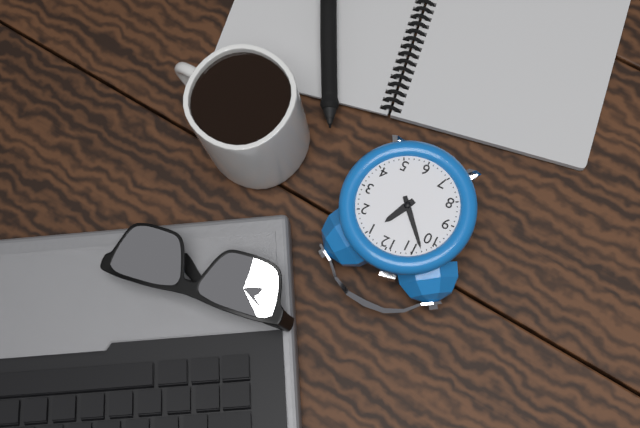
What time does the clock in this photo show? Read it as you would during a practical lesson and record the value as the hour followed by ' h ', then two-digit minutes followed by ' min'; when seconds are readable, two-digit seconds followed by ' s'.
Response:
12 h 53 min
